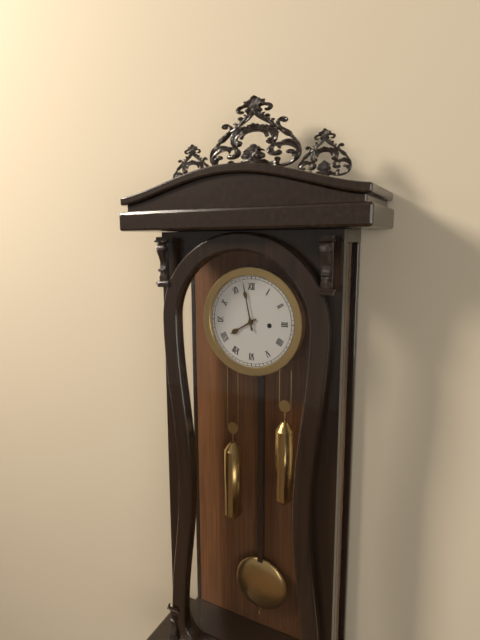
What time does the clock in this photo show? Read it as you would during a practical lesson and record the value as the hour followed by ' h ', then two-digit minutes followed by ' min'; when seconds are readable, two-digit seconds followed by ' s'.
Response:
7 h 58 min
